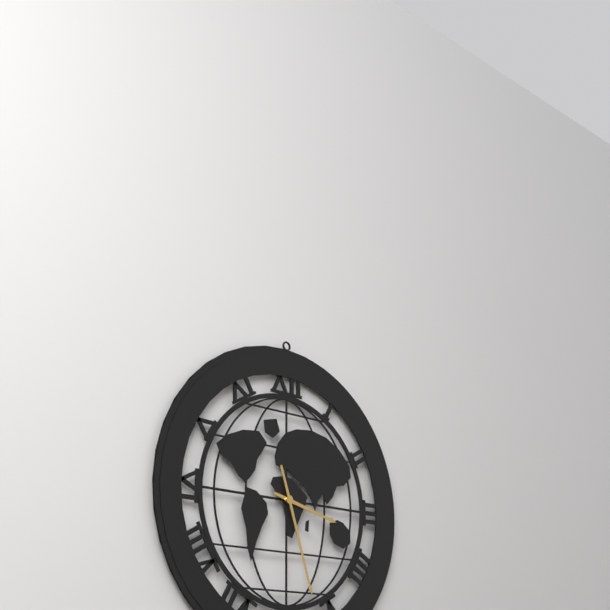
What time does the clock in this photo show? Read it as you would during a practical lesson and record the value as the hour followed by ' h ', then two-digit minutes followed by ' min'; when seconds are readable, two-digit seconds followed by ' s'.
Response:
3 h 27 min
